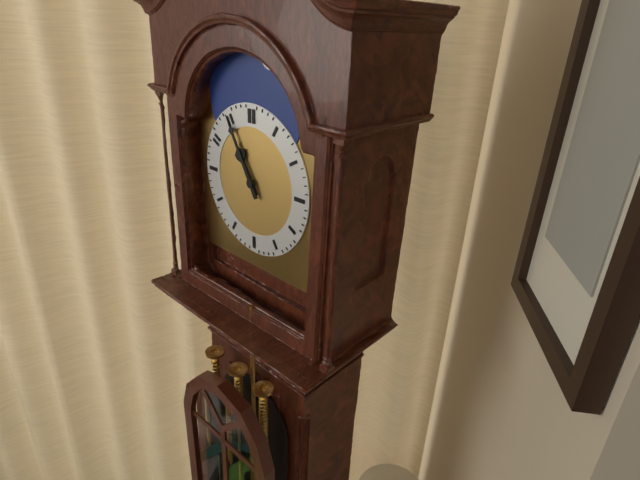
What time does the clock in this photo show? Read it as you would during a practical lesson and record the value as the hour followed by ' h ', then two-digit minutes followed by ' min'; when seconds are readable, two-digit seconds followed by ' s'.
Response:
10 h 55 min
